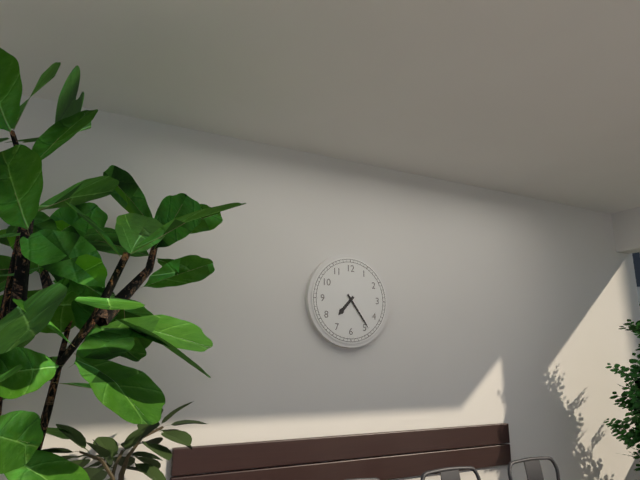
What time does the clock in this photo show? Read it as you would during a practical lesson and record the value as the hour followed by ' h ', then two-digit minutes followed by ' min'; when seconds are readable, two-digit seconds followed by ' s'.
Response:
7 h 24 min
